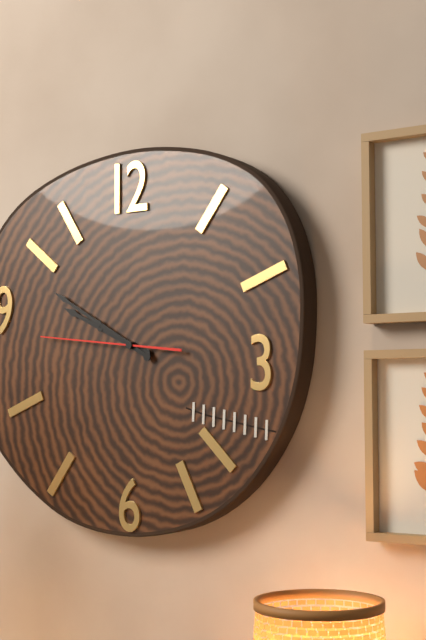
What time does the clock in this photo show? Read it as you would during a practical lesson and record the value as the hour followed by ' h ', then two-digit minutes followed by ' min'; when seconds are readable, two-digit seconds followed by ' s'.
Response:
9 h 50 min 46 s
